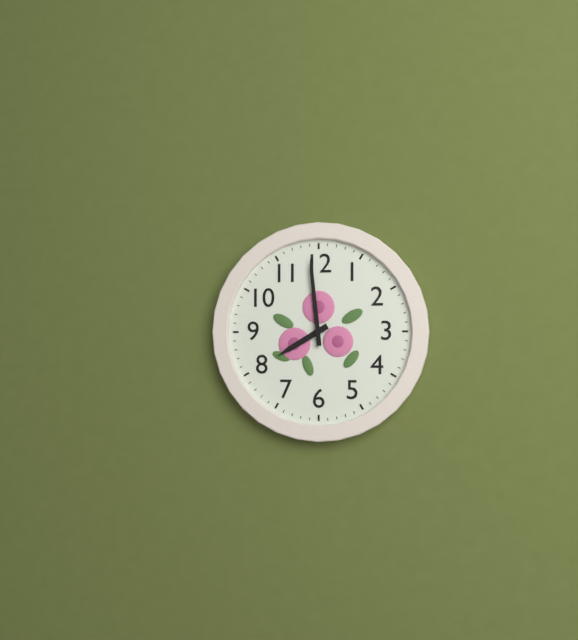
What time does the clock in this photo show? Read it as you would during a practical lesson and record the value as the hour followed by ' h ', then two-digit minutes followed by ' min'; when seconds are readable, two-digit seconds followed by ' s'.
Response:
7 h 59 min
